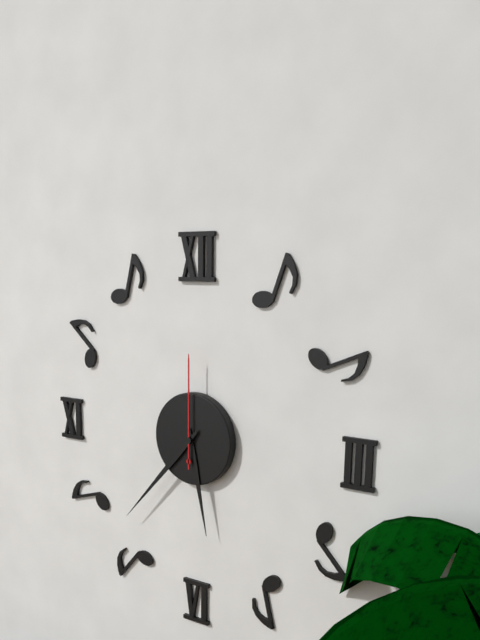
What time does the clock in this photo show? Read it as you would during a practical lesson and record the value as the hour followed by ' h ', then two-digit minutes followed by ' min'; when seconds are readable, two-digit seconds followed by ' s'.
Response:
5 h 37 min 00 s
